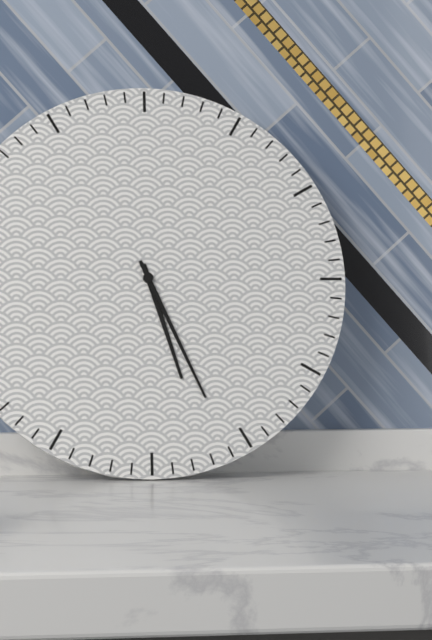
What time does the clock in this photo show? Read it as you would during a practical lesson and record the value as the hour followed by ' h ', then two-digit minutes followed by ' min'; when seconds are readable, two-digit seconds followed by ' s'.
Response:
5 h 26 min
